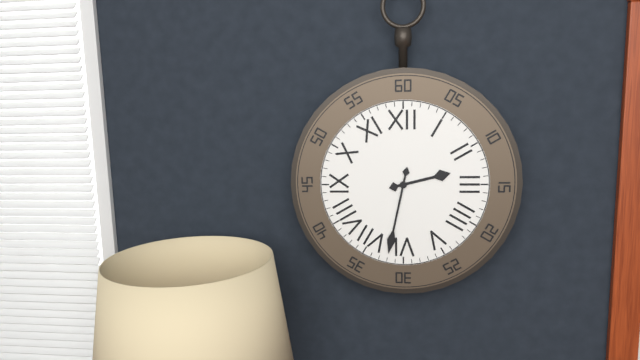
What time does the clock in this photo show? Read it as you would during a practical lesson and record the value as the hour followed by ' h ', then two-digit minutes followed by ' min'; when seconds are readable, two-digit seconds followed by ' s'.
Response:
2 h 32 min
